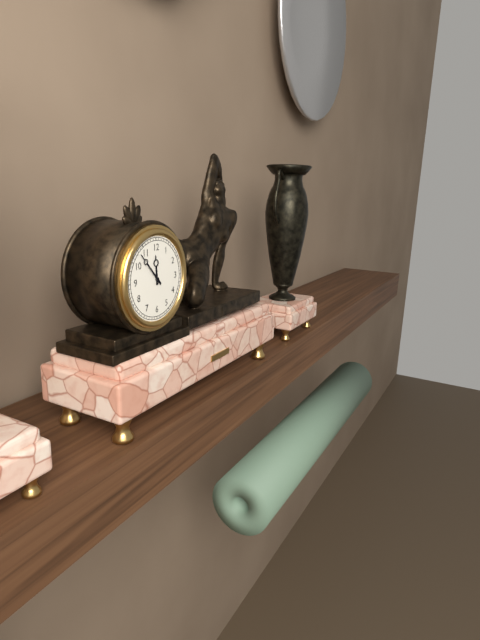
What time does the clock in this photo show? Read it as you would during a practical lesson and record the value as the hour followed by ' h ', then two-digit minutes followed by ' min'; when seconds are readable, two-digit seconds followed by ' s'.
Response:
11 h 53 min
